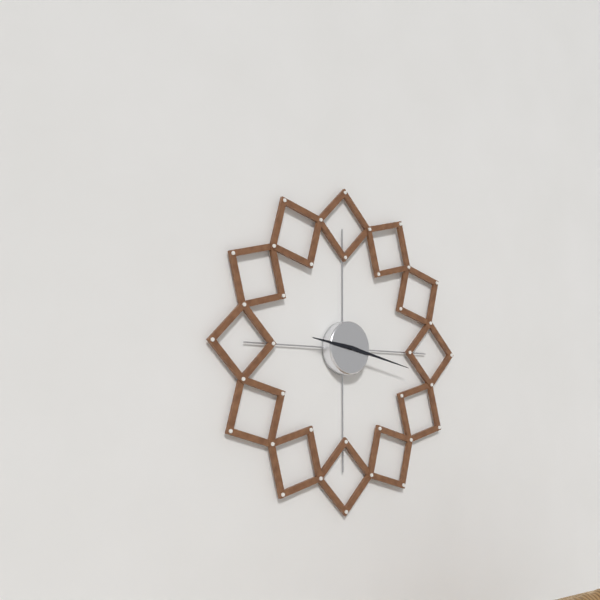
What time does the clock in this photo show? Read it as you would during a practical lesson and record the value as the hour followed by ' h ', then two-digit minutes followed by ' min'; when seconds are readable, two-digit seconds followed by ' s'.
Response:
9 h 17 min
